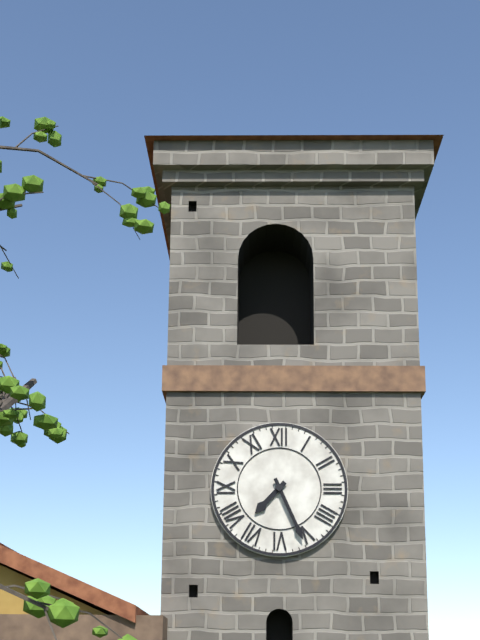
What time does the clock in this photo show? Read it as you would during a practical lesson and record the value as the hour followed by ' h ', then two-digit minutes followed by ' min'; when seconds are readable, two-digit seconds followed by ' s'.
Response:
7 h 26 min
